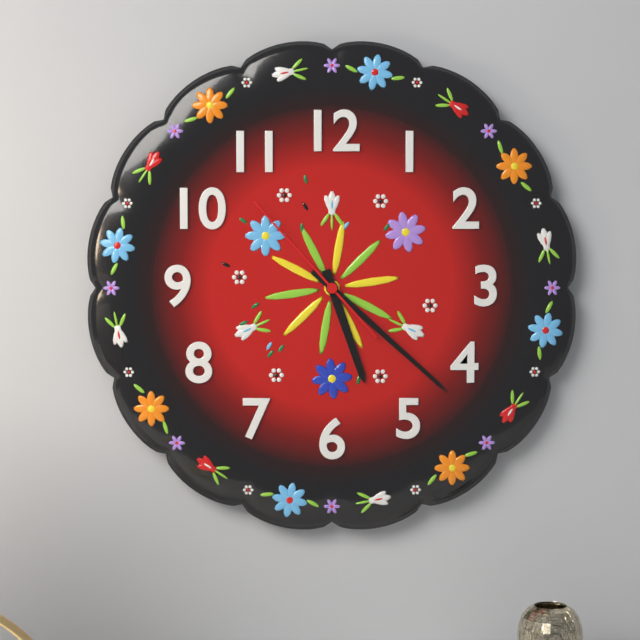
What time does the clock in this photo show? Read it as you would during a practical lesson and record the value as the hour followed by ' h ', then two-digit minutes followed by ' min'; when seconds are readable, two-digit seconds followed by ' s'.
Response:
5 h 22 min 53 s
